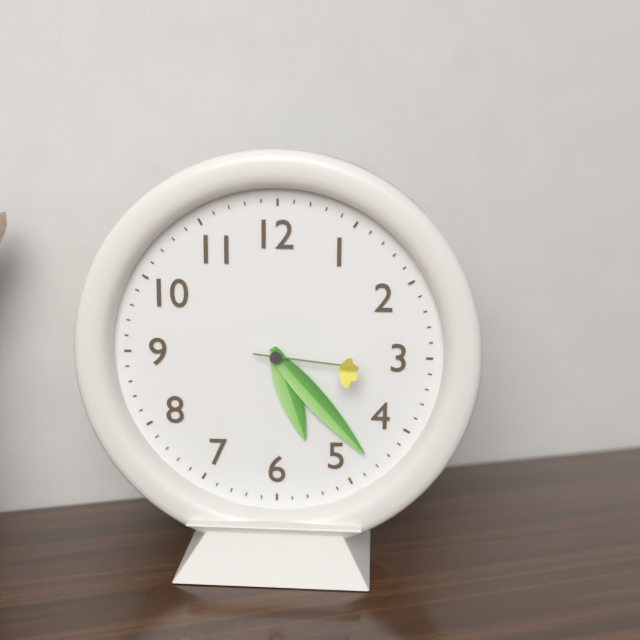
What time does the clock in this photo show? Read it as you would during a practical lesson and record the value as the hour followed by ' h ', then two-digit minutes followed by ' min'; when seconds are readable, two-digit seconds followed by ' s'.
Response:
5 h 23 min 16 s
